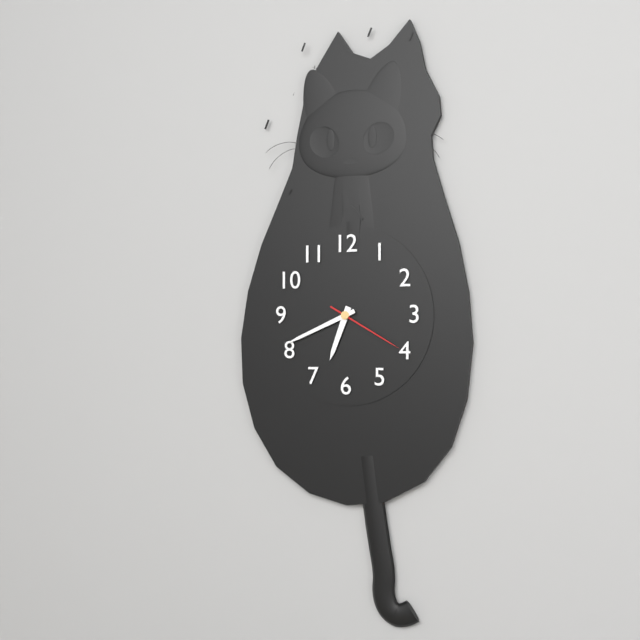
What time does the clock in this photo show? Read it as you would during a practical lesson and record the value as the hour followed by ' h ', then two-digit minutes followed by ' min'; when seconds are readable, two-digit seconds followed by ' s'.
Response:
6 h 41 min 20 s
